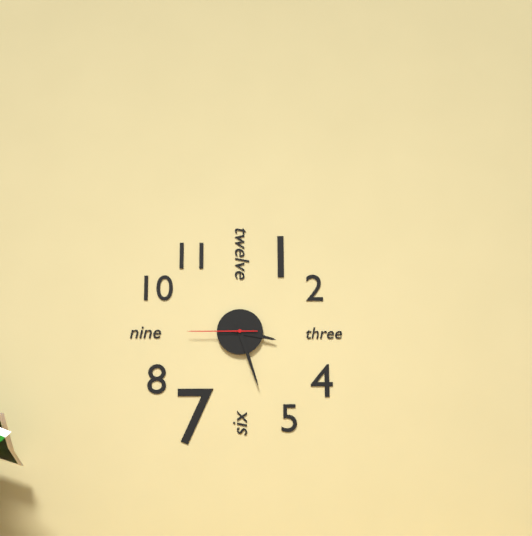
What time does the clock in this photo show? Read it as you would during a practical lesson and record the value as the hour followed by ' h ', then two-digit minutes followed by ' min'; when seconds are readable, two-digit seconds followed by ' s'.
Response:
3 h 27 min 45 s
